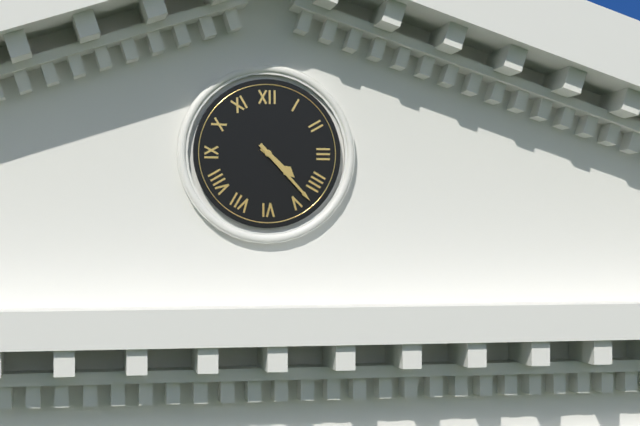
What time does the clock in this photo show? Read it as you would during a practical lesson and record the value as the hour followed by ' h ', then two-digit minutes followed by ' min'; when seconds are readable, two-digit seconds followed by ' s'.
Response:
4 h 23 min
